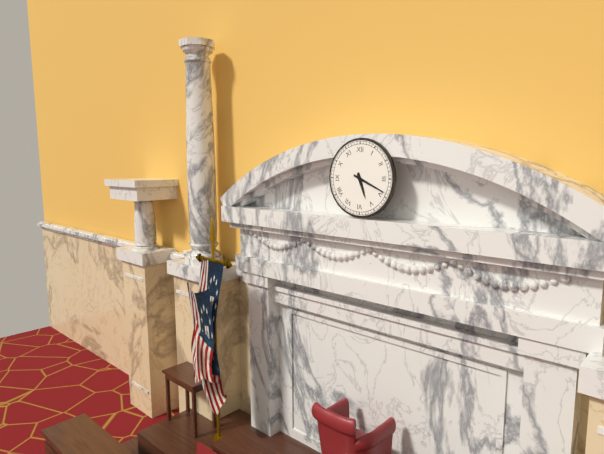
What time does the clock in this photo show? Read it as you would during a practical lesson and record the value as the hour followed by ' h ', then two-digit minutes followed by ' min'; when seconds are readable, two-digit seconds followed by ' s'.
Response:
5 h 19 min
